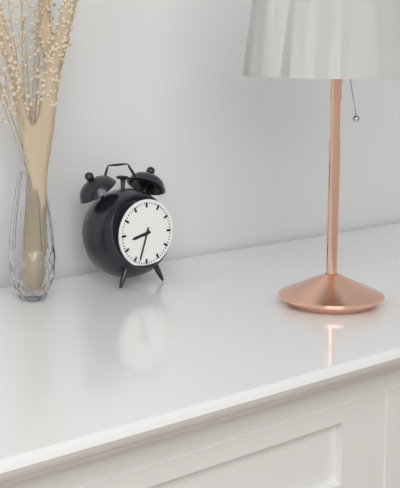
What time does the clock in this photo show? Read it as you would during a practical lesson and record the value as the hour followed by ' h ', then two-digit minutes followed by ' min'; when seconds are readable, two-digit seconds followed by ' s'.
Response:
8 h 33 min
